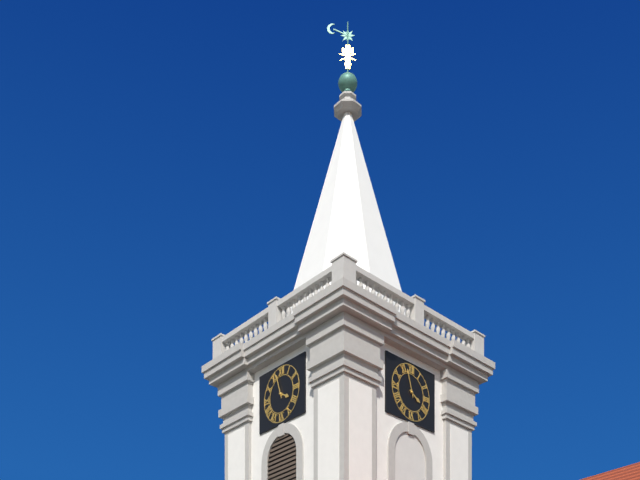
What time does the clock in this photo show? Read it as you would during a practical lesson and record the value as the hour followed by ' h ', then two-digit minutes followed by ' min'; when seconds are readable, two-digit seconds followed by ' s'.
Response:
3 h 57 min
